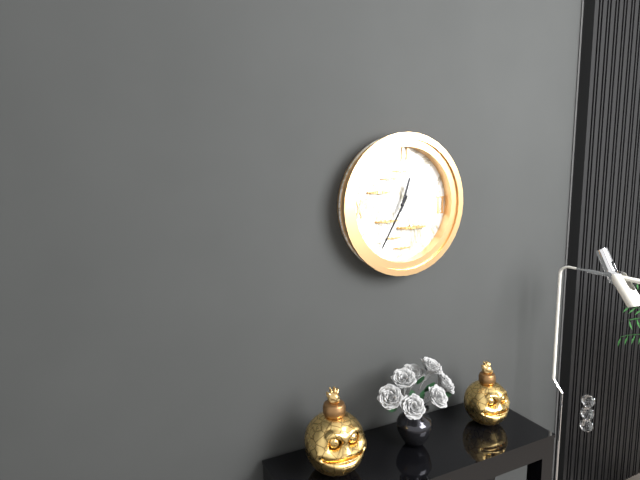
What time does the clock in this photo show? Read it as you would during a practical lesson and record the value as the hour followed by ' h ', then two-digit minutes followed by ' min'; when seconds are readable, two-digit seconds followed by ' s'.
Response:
12 h 35 min
